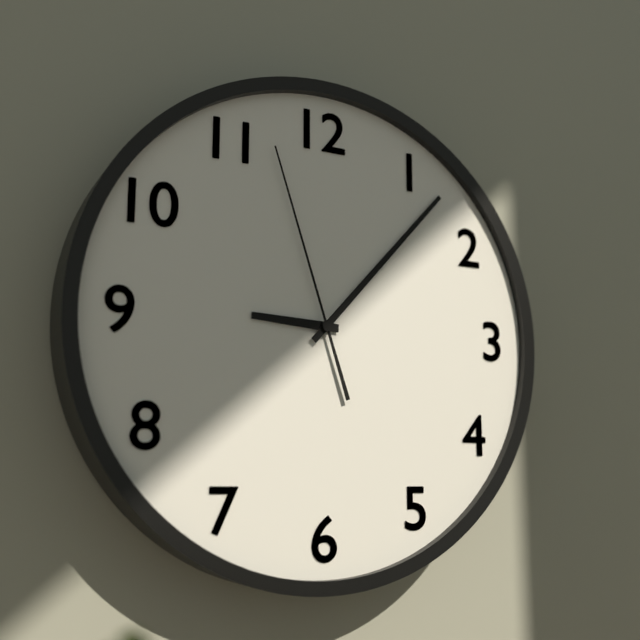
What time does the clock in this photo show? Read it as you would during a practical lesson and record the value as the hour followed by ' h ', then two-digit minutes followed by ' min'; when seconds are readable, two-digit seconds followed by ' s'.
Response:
9 h 07 min 57 s
